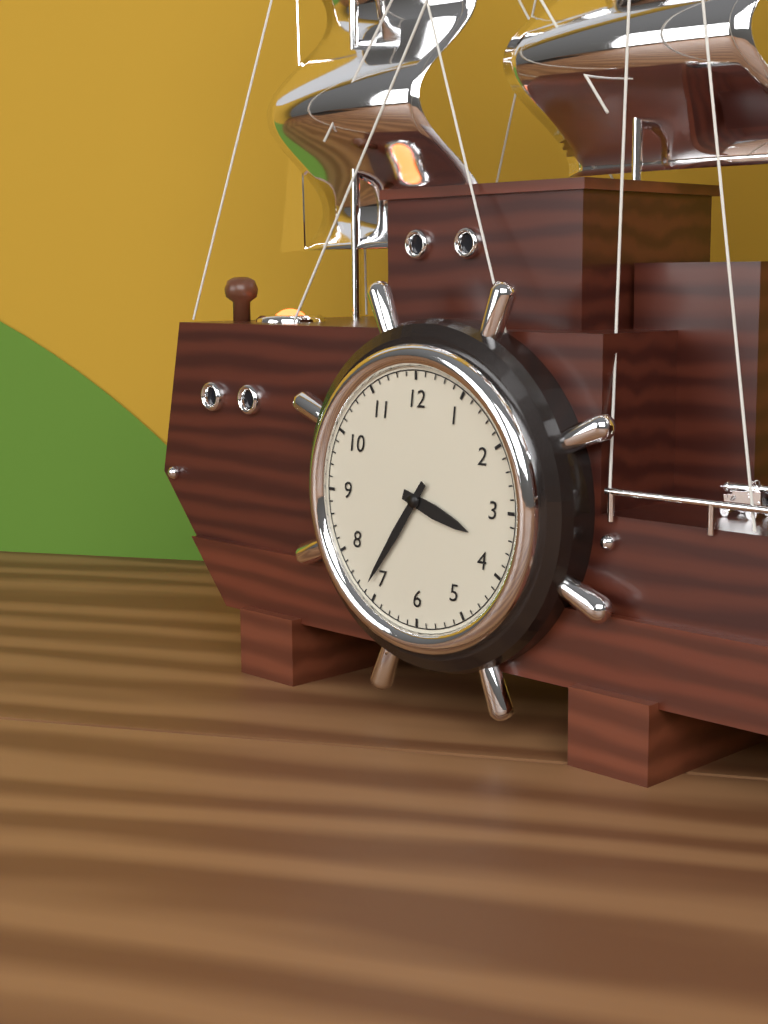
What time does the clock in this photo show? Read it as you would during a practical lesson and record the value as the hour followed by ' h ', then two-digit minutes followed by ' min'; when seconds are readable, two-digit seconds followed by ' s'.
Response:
3 h 36 min
